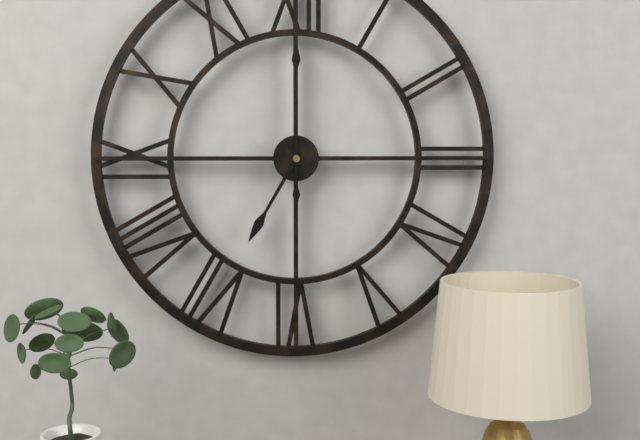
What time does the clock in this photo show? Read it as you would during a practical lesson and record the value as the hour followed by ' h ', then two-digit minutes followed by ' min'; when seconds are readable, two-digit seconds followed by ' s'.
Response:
7 h 00 min
